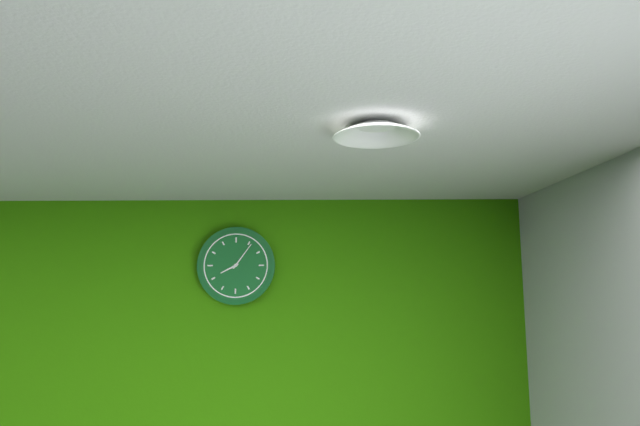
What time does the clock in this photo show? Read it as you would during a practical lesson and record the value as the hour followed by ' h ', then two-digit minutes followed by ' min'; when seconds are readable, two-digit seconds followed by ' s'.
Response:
8 h 06 min
